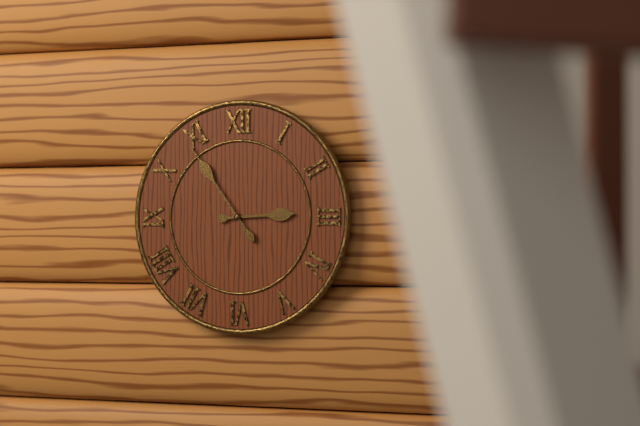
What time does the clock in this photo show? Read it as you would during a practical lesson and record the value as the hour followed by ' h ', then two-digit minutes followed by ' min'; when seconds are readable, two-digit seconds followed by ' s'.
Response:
2 h 54 min
